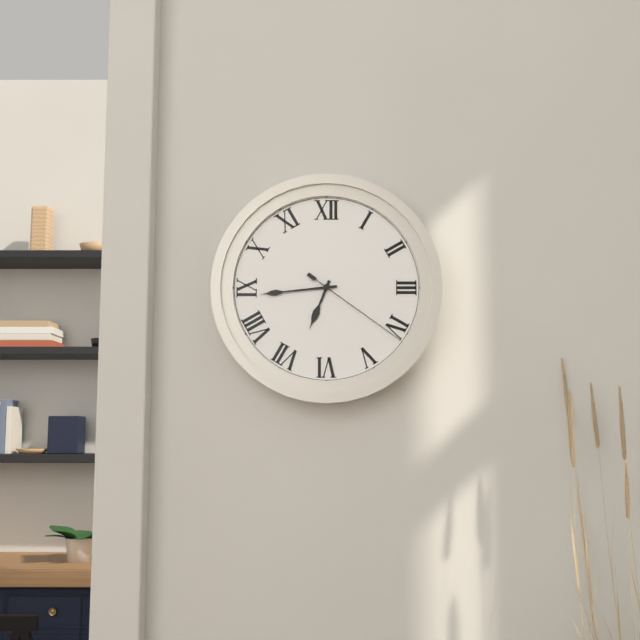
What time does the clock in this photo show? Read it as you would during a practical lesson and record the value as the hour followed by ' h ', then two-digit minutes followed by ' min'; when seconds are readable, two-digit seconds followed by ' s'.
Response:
6 h 44 min 21 s
